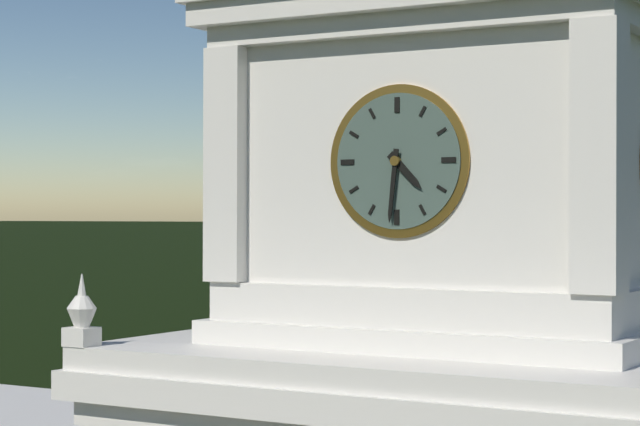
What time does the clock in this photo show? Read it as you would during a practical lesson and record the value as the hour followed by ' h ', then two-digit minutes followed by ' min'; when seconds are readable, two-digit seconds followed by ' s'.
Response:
4 h 31 min
